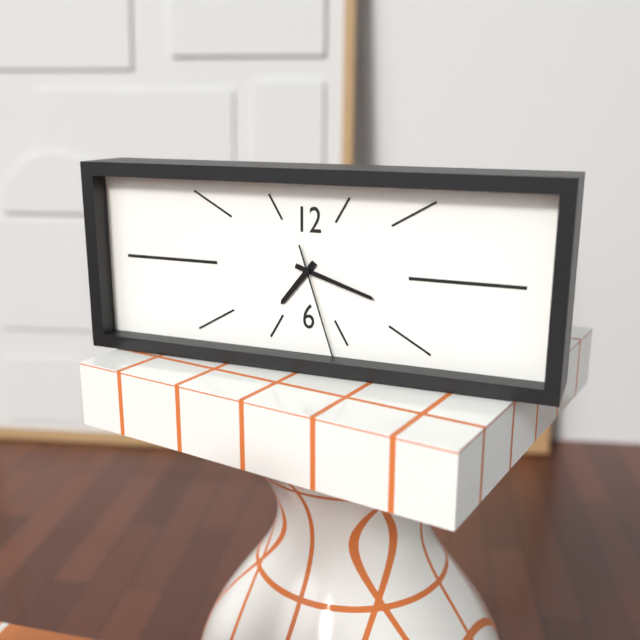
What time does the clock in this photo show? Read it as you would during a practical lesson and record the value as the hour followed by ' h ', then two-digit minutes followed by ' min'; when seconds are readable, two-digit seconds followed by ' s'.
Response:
7 h 18 min 27 s
